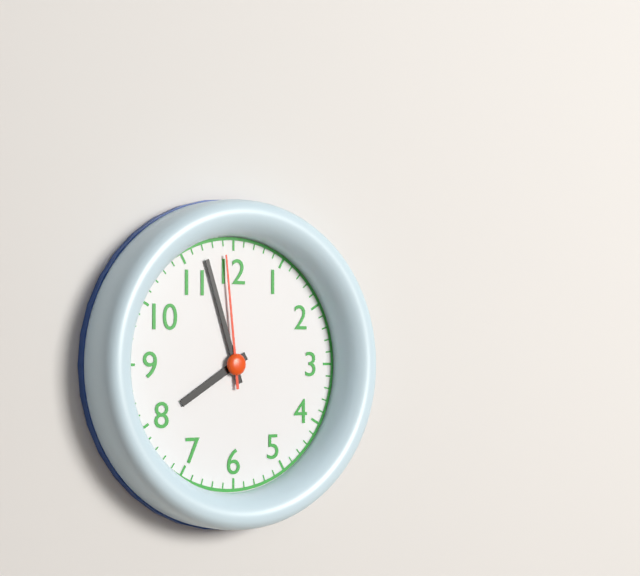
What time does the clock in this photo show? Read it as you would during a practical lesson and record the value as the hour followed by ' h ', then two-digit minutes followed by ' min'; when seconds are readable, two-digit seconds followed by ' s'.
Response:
7 h 57 min 59 s
